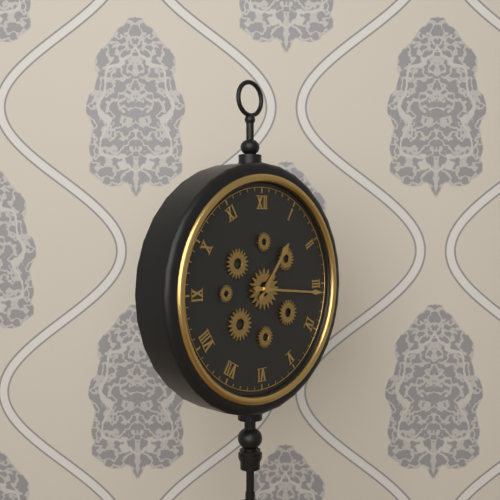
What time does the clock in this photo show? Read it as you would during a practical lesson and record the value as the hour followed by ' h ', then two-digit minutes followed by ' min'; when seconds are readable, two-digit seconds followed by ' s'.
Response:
1 h 16 min
